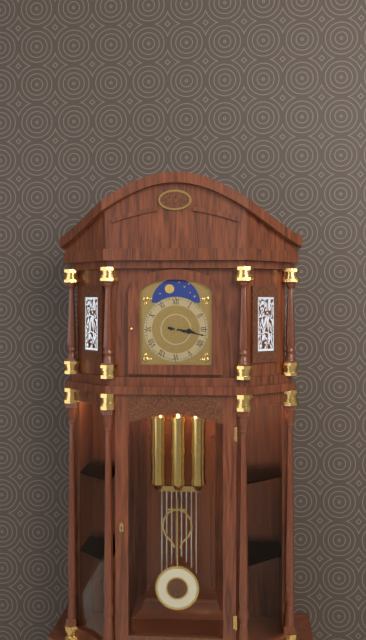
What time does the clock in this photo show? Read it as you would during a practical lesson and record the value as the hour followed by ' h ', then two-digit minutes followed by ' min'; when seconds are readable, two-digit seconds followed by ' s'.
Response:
3 h 17 min
